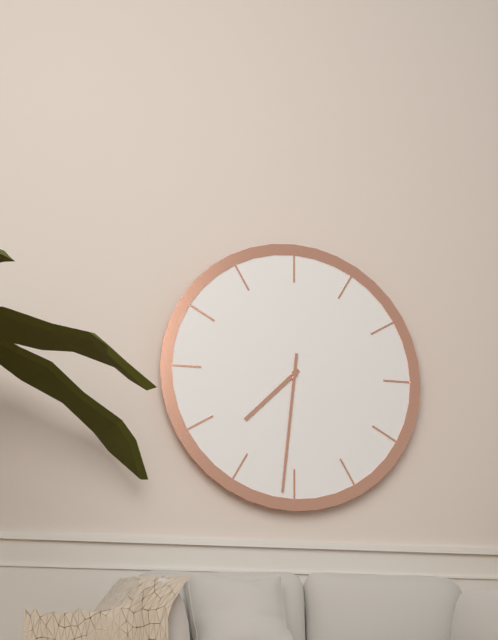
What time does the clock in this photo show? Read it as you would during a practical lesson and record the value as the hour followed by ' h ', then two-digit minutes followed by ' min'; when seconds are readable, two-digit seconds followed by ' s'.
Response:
7 h 31 min
